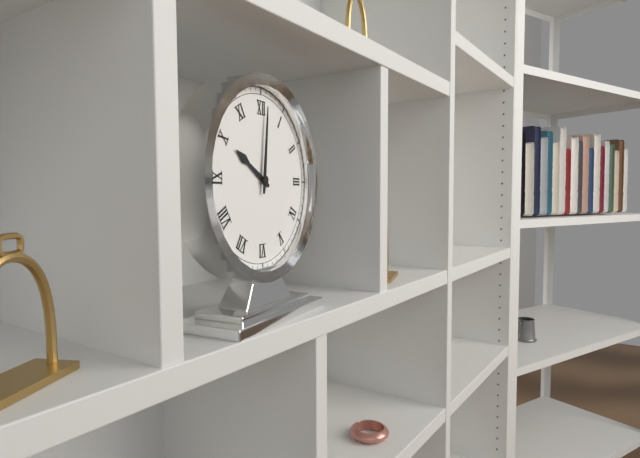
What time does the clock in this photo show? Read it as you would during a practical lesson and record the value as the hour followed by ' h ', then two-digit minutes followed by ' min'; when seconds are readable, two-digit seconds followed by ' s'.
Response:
10 h 01 min
